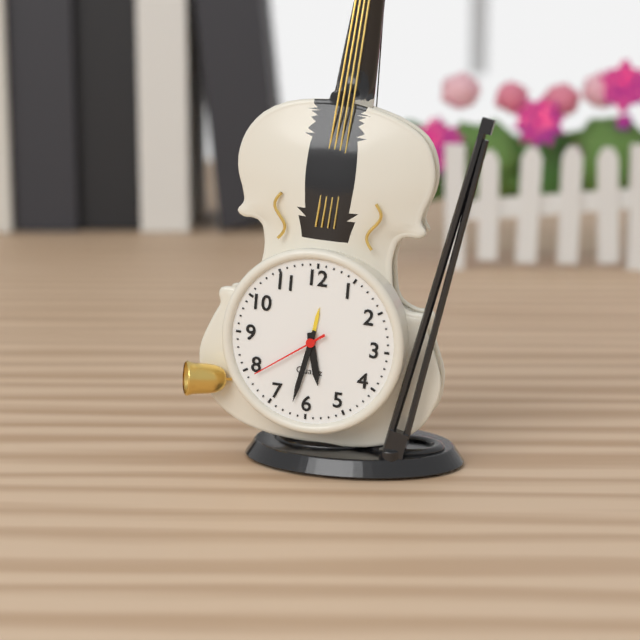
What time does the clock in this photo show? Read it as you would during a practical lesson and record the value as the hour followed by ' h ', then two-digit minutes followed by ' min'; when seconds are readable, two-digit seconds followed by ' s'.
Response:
5 h 32 min 39 s
